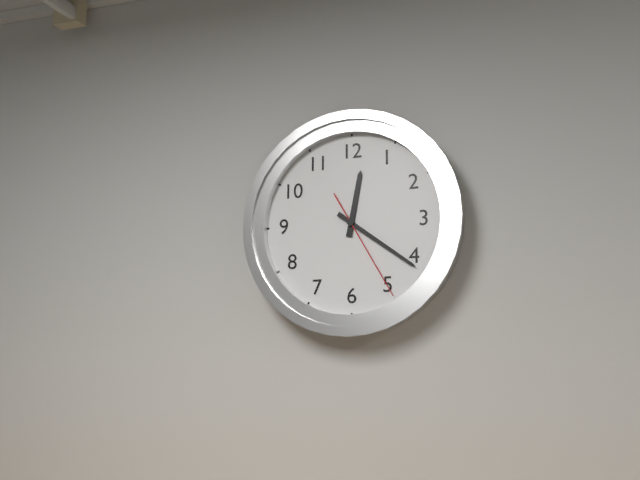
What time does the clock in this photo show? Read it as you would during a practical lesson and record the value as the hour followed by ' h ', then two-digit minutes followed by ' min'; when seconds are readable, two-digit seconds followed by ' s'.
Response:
12 h 21 min 25 s
